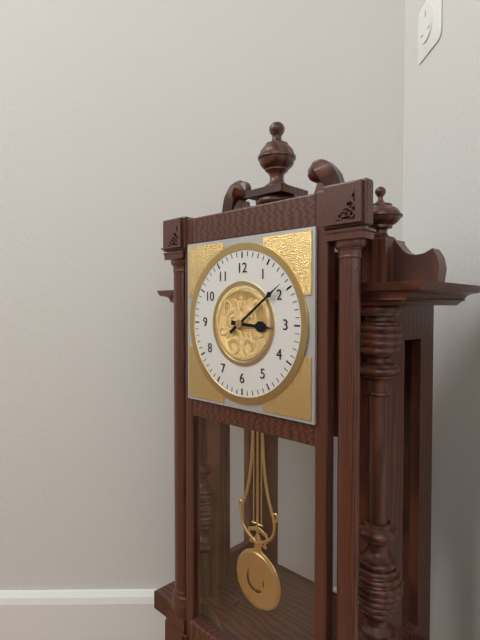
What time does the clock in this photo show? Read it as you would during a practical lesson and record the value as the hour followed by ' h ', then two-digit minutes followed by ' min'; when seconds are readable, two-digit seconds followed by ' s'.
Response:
3 h 09 min
